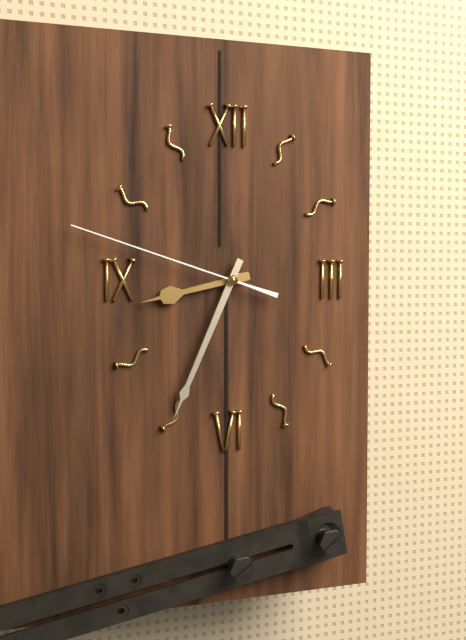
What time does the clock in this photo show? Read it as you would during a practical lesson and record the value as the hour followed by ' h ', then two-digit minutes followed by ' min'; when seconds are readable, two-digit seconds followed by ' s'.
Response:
8 h 34 min 48 s
